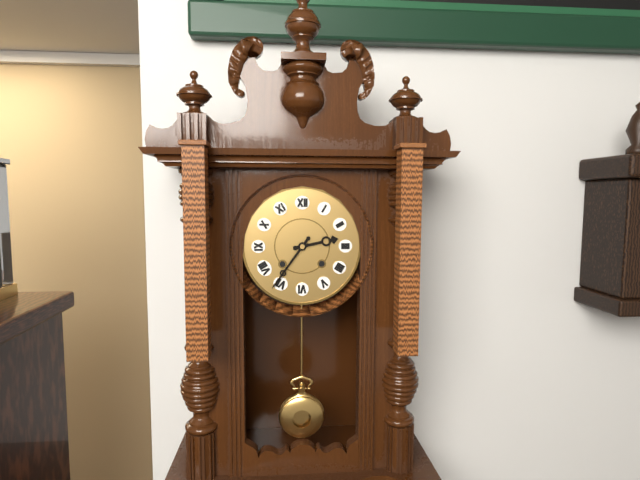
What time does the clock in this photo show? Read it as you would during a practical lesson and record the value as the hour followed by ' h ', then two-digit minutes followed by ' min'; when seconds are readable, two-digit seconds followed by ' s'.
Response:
2 h 36 min
